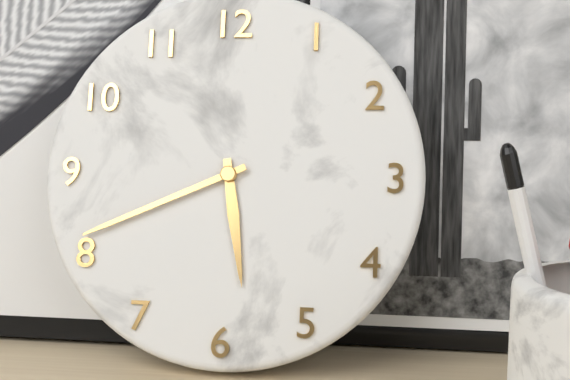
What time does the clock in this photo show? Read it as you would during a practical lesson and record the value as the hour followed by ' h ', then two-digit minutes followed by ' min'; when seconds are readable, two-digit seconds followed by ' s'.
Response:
5 h 41 min
